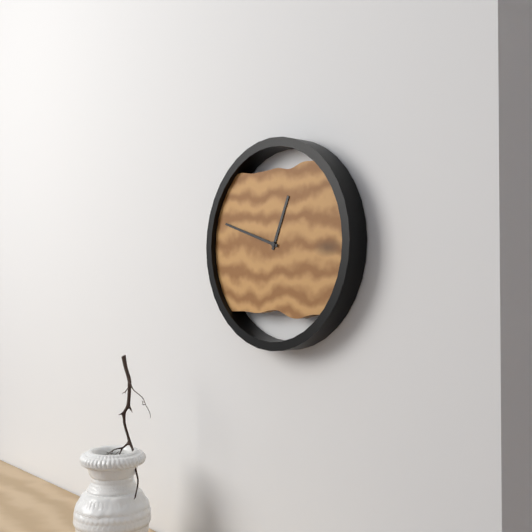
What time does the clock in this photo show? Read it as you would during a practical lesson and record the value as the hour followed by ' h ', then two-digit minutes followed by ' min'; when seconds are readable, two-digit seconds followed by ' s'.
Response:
12 h 48 min
